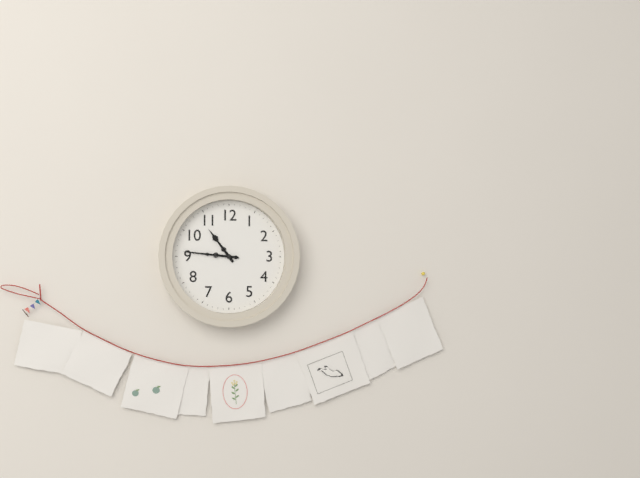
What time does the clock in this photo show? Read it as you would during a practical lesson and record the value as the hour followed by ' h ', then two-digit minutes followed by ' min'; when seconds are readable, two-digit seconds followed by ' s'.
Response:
10 h 46 min
